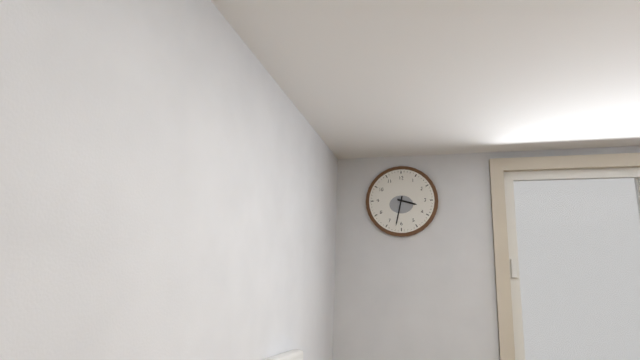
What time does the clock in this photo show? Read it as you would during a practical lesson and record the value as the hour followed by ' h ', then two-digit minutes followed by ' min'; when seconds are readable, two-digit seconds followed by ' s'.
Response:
3 h 32 min
